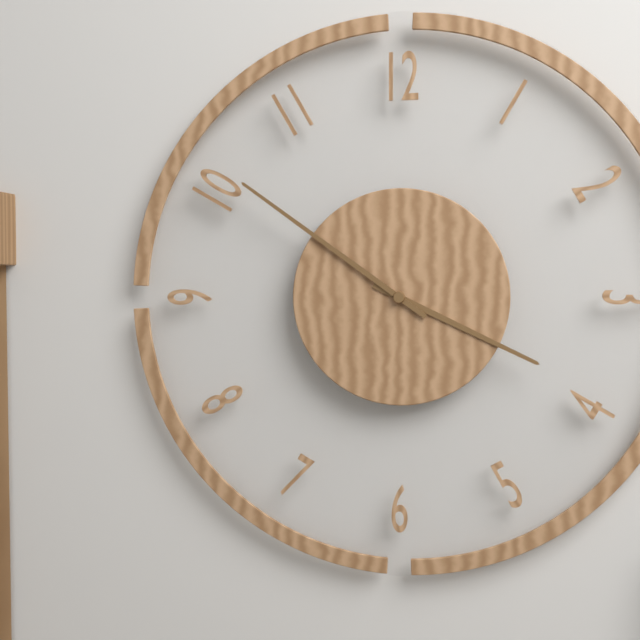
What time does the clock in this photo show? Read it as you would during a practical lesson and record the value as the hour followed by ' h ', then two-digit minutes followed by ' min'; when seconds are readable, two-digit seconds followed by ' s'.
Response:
3 h 51 min
